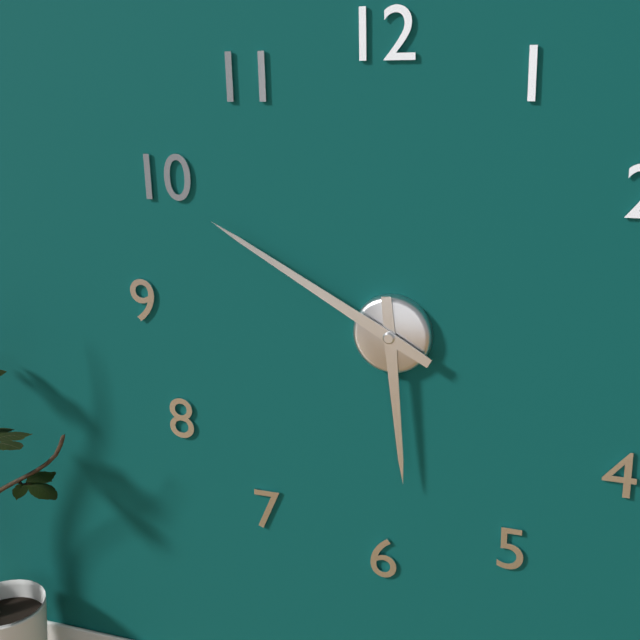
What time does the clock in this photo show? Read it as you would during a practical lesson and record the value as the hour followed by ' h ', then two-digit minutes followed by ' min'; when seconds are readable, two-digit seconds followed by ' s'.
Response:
5 h 50 min
